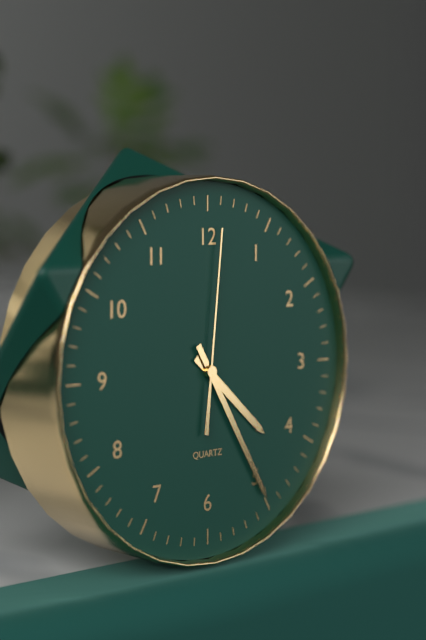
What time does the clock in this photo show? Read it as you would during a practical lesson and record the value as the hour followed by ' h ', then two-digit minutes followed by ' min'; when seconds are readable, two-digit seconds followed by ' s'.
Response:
4 h 25 min 01 s
